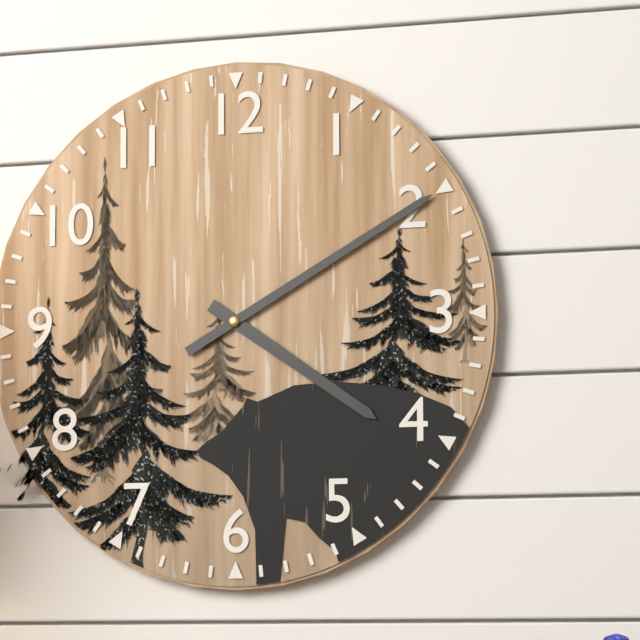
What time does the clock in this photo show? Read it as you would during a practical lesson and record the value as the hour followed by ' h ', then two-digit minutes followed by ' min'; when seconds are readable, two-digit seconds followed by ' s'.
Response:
4 h 10 min
